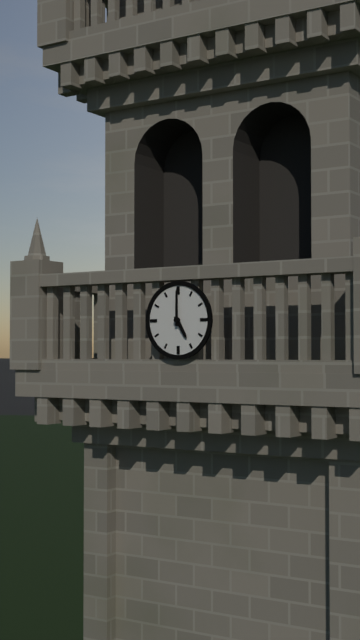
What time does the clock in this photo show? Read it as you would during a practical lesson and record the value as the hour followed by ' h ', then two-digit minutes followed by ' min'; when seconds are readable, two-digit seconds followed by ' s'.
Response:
5 h 00 min
